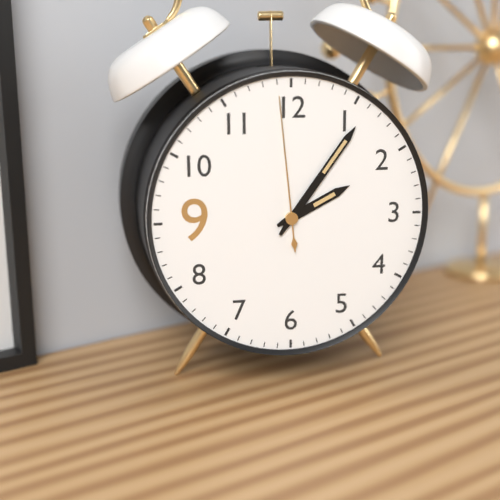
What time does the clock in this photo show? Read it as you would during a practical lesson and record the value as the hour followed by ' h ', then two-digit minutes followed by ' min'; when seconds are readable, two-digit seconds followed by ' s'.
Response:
2 h 06 min 59 s
